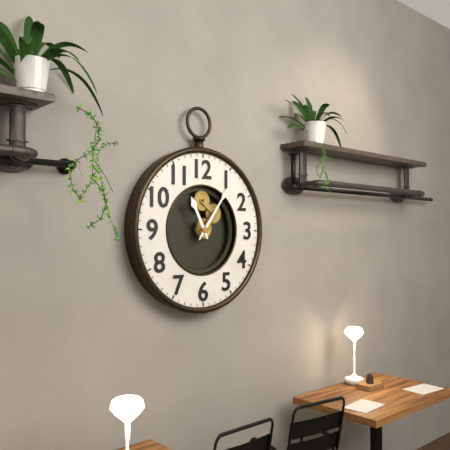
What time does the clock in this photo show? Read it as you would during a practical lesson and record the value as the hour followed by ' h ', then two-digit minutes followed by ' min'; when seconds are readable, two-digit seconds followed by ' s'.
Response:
11 h 06 min
